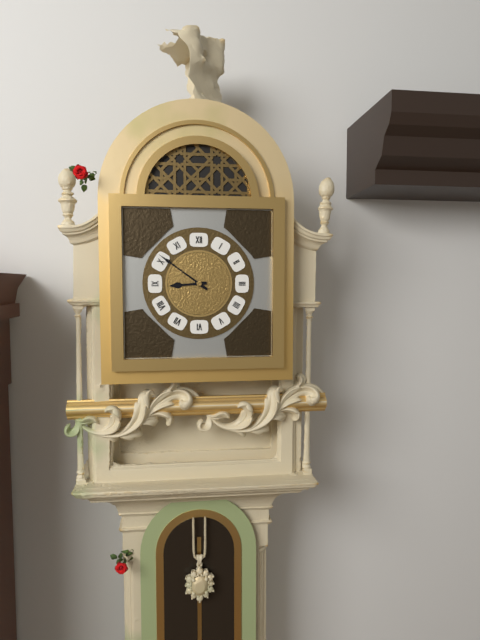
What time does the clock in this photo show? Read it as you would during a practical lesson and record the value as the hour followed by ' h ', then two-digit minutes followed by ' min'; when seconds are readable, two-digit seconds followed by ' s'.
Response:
8 h 51 min
